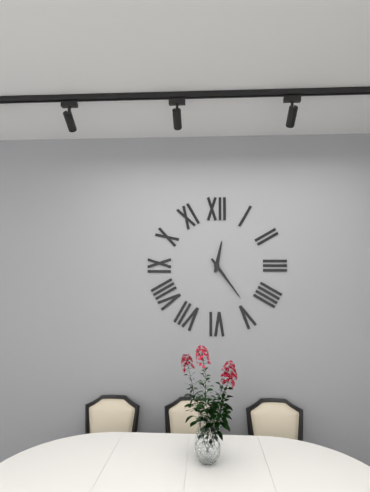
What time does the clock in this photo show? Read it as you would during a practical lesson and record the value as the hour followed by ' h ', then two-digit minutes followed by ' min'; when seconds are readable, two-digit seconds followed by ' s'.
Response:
12 h 24 min
